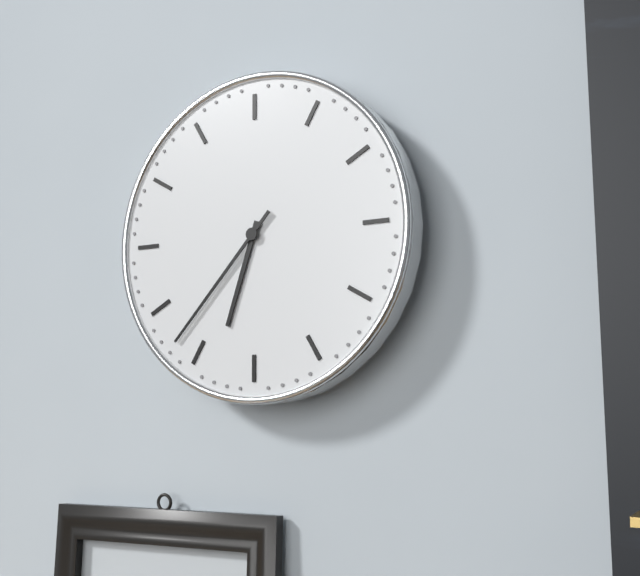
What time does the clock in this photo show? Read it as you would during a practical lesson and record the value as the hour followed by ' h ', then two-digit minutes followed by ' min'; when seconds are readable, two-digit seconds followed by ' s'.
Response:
6 h 37 min
